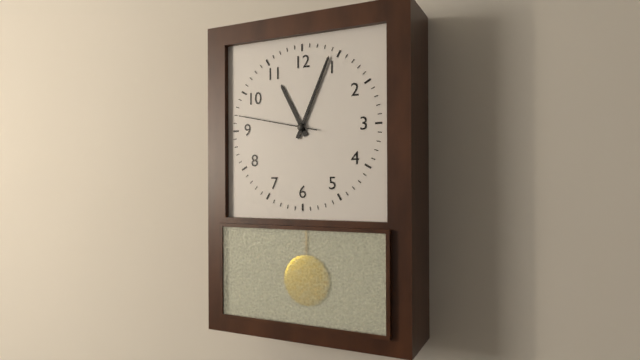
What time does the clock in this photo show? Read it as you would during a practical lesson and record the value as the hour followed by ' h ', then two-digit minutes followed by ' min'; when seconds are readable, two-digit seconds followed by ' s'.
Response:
11 h 04 min 47 s
